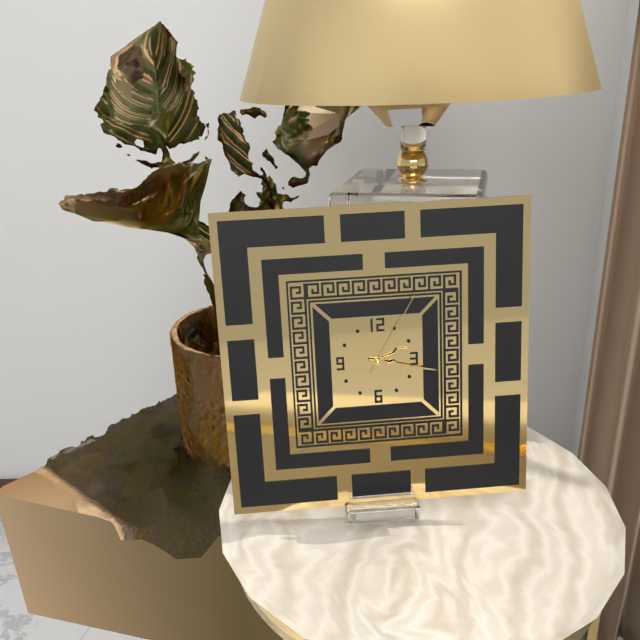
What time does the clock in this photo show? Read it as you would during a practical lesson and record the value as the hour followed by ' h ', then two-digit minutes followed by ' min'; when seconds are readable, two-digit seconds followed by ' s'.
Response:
2 h 17 min 05 s
